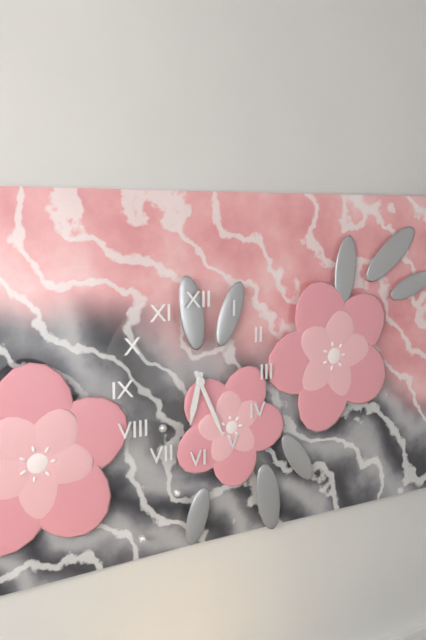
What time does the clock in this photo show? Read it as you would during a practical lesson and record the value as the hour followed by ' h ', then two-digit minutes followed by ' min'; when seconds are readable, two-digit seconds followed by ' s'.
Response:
6 h 26 min
